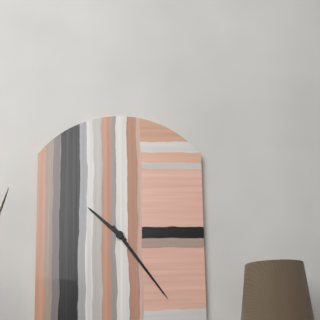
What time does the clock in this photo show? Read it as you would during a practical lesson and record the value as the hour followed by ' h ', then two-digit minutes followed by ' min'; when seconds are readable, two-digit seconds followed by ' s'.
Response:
10 h 24 min
